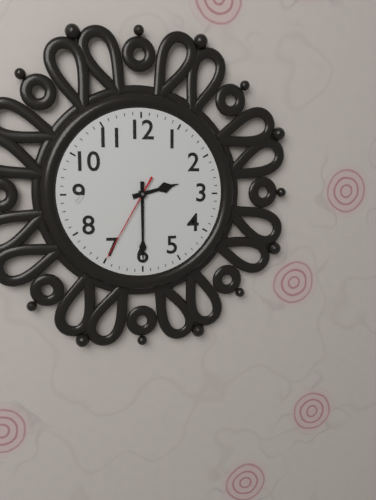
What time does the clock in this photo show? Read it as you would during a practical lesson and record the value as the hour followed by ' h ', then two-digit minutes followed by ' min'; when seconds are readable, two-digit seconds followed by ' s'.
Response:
2 h 30 min 35 s
